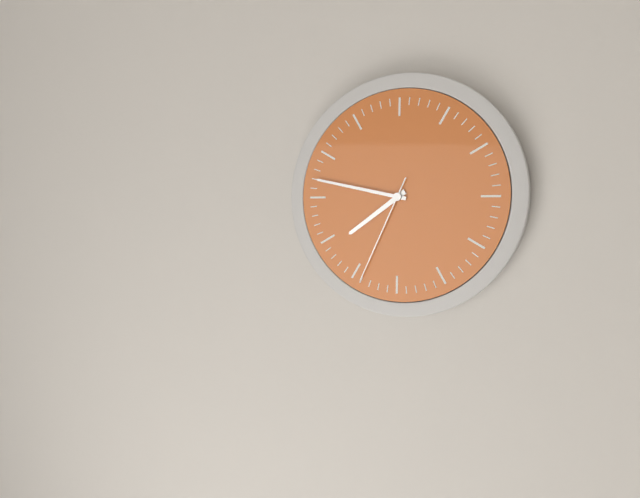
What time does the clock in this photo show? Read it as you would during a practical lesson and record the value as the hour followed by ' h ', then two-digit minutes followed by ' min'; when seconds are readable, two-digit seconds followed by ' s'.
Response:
7 h 47 min 34 s
